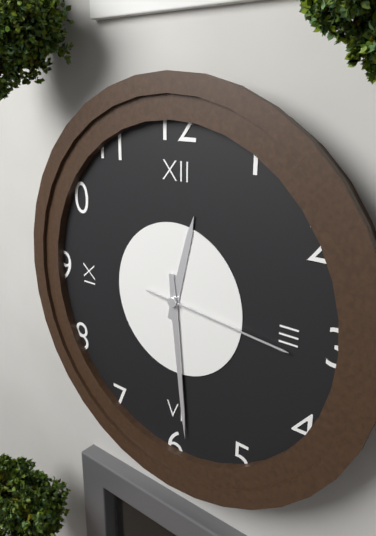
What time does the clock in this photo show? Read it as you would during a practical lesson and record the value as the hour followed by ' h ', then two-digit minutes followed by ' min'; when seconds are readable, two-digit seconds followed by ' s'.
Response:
12 h 29 min 16 s
